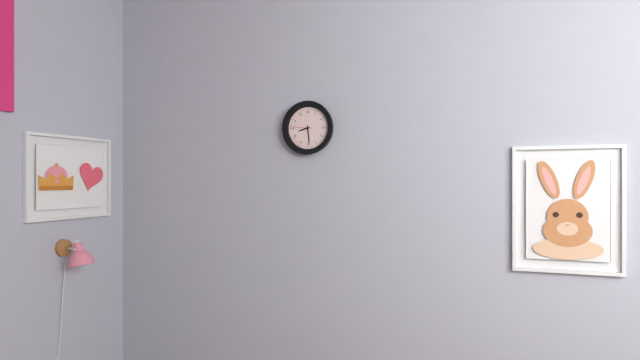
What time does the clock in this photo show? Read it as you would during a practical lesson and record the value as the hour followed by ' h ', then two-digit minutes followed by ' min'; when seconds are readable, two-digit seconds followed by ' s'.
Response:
8 h 29 min
